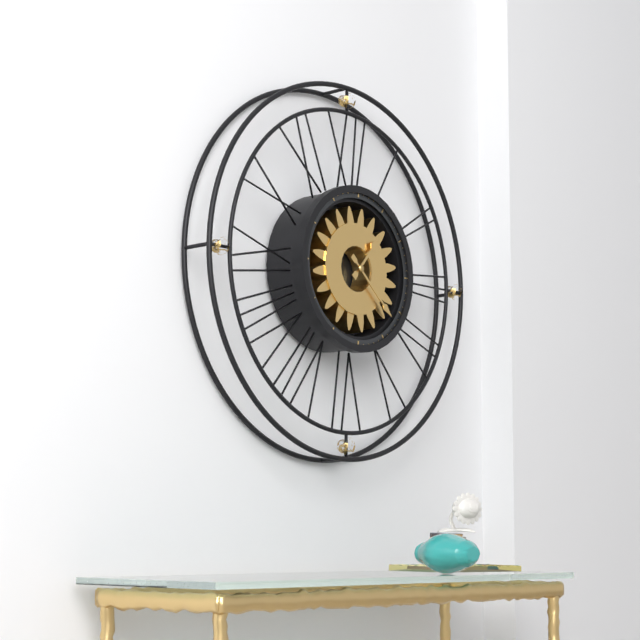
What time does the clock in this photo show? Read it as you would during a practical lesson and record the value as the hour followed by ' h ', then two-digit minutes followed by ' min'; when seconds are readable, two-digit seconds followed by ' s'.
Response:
1 h 22 min
